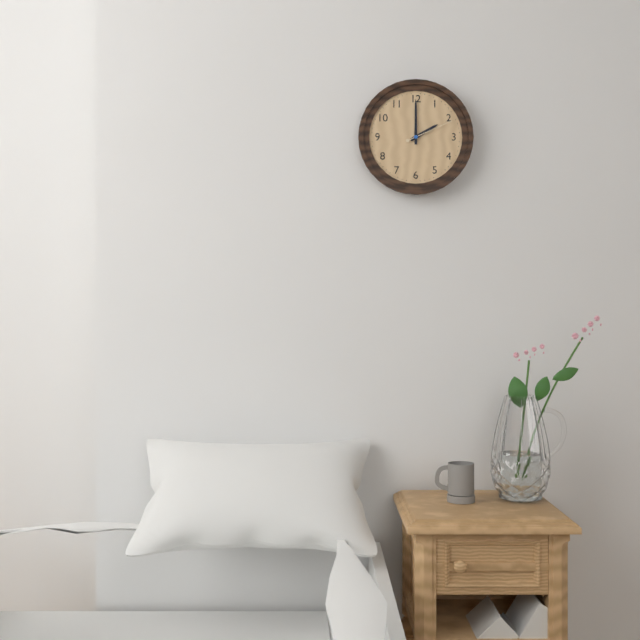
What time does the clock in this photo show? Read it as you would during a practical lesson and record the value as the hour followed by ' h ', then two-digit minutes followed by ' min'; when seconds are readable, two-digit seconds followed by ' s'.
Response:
2 h 00 min
